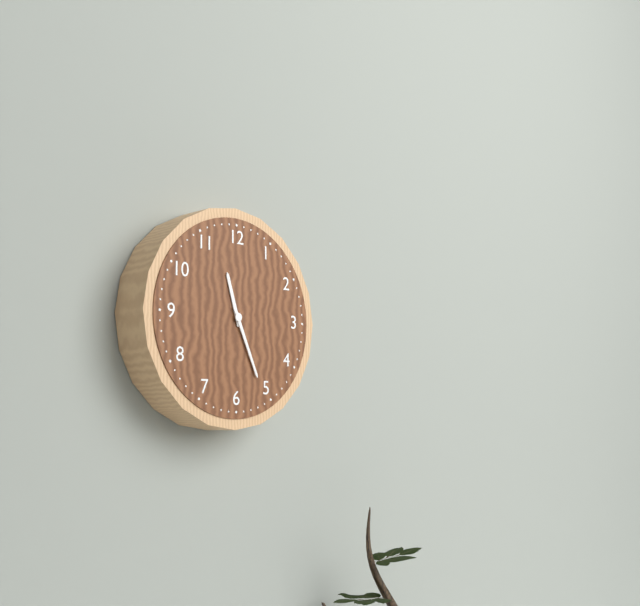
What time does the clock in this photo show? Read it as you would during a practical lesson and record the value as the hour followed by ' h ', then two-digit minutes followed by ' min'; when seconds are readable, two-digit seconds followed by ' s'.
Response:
11 h 26 min
